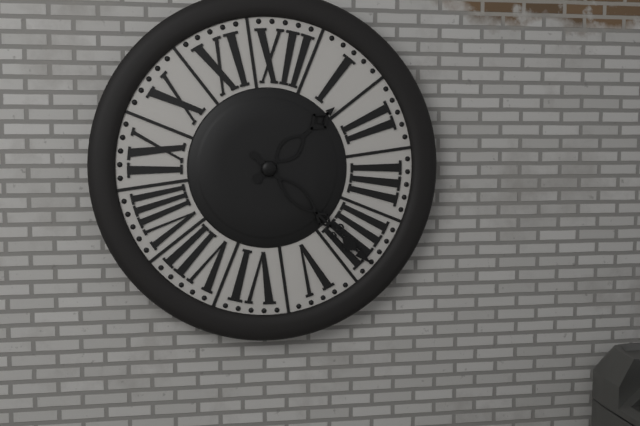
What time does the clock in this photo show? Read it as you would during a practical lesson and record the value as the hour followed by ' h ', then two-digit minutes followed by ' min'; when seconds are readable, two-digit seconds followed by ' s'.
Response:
1 h 21 min
